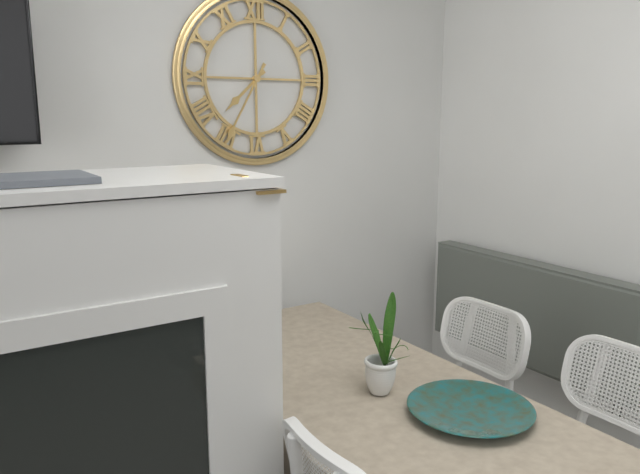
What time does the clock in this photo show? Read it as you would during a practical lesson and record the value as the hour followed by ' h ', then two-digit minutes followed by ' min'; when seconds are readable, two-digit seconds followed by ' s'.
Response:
7 h 35 min
